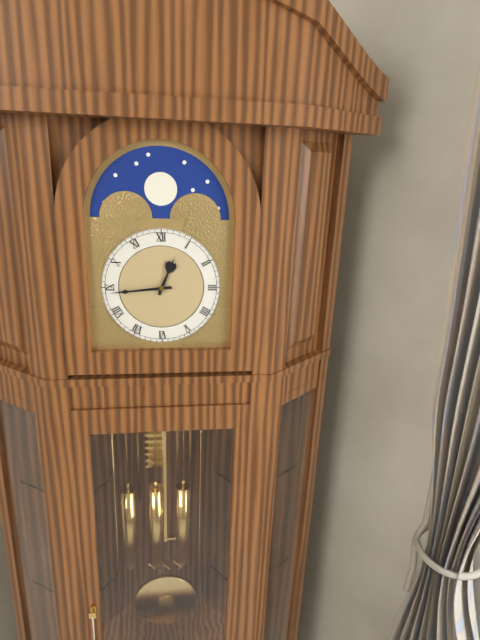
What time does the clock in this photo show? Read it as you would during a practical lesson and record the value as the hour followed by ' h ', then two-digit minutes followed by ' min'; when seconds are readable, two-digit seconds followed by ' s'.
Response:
12 h 44 min
